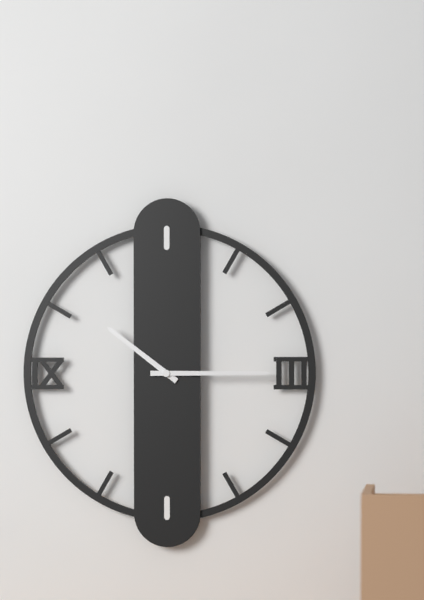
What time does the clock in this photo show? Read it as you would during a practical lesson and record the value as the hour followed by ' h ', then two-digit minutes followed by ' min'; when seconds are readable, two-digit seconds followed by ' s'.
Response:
10 h 15 min
